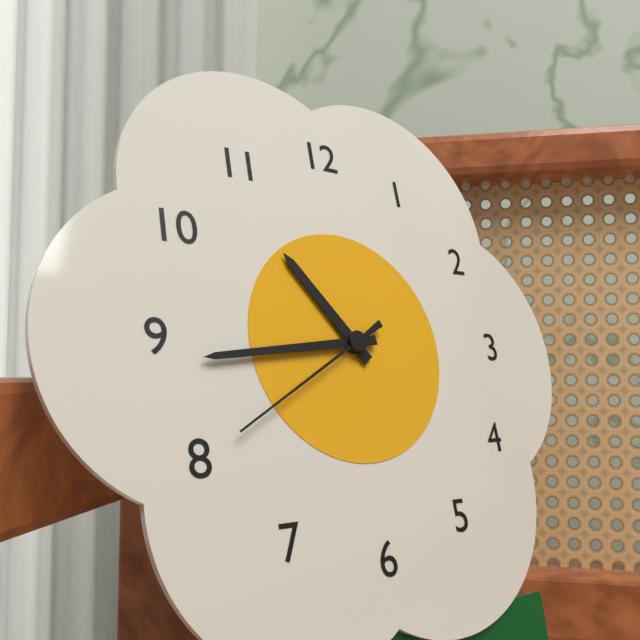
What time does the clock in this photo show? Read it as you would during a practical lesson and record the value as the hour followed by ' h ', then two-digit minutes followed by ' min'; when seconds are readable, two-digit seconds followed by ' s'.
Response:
10 h 44 min 40 s
